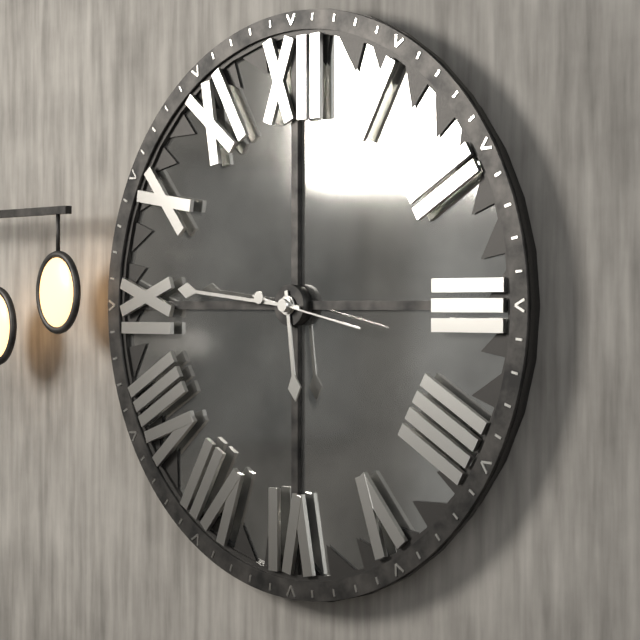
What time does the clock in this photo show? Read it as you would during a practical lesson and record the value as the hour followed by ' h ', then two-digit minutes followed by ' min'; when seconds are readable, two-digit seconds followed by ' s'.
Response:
5 h 46 min 17 s
